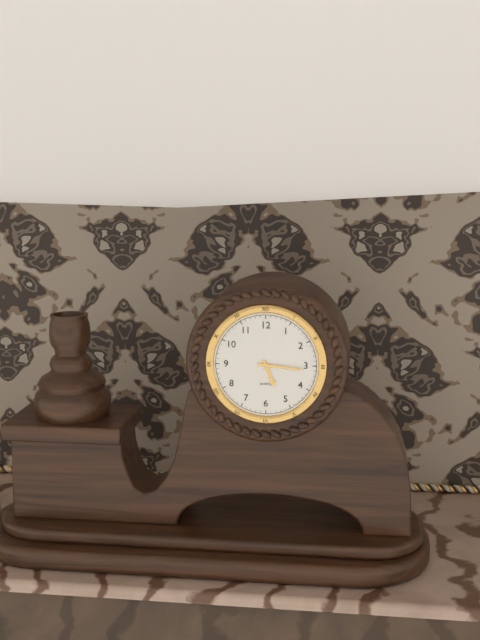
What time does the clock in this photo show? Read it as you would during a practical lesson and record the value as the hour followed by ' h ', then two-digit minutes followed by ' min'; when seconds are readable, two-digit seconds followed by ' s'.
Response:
5 h 16 min
